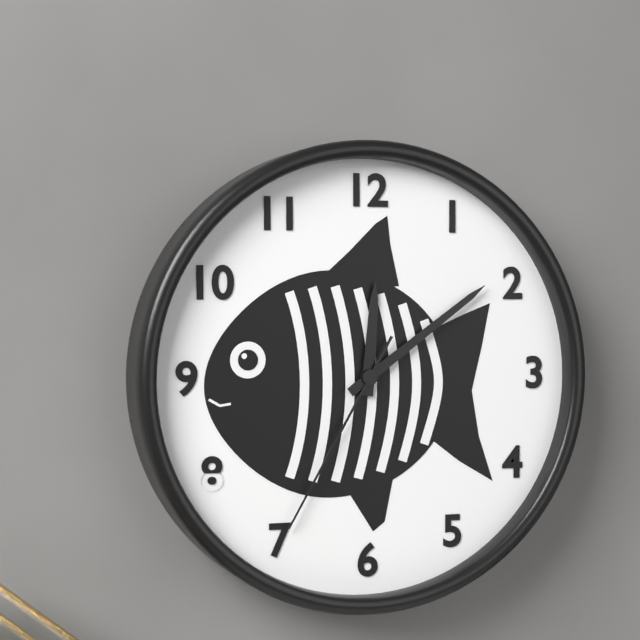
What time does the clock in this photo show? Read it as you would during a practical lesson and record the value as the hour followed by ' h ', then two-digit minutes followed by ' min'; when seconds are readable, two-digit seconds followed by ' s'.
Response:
12 h 09 min 35 s
